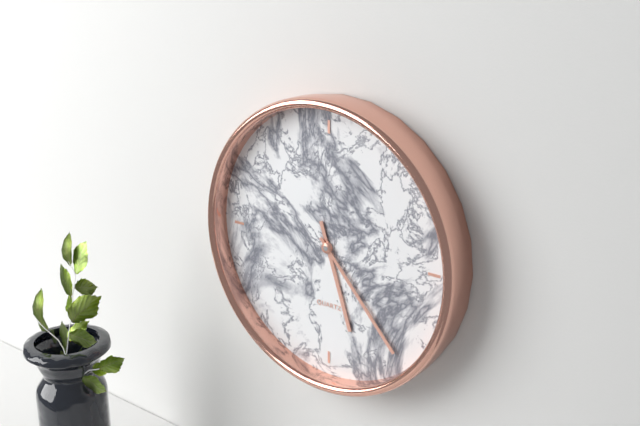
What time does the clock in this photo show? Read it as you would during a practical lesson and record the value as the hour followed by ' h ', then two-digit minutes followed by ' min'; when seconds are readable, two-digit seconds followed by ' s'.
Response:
5 h 23 min
